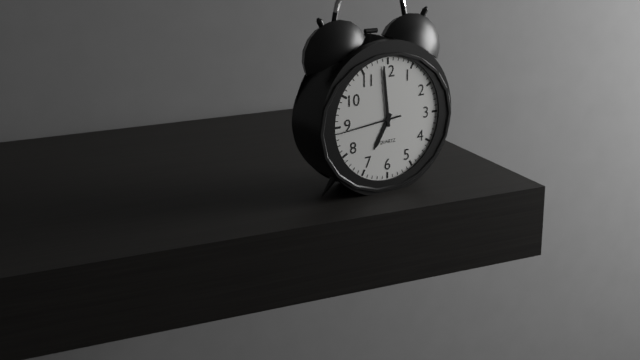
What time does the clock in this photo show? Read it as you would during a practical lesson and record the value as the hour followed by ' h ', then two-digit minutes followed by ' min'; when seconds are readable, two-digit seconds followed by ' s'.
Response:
6 h 59 min 44 s
